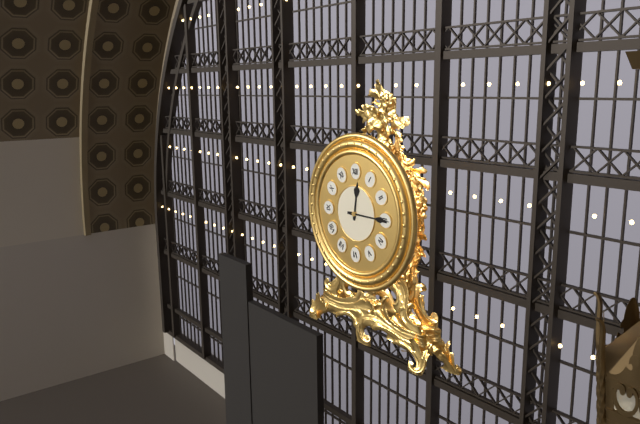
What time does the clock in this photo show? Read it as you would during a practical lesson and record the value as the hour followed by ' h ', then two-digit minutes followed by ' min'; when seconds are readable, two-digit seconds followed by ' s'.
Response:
12 h 15 min
